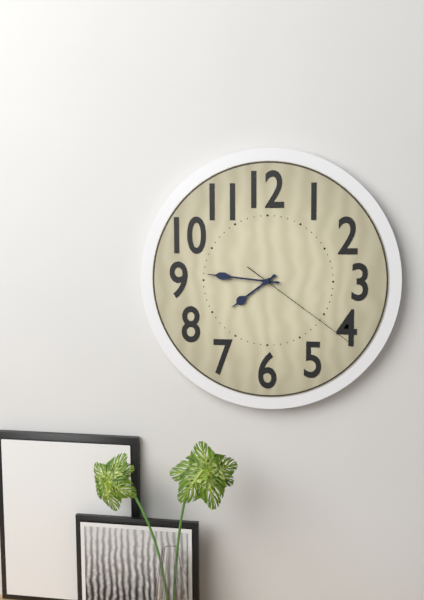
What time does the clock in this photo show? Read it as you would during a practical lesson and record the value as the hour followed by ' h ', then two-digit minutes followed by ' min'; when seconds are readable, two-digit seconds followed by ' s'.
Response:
7 h 46 min 21 s
